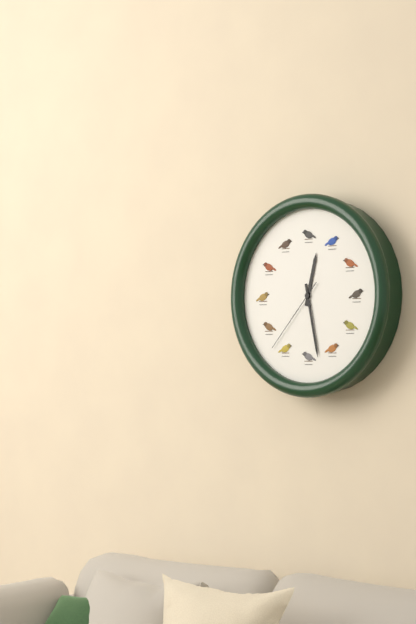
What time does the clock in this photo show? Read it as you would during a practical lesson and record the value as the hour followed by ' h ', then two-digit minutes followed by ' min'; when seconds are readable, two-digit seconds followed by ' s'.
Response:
12 h 28 min 37 s
